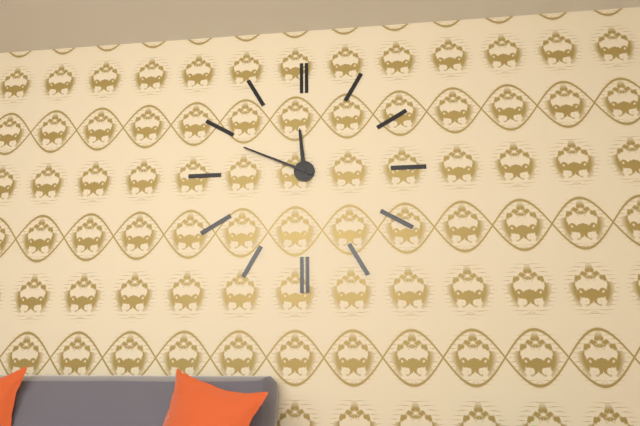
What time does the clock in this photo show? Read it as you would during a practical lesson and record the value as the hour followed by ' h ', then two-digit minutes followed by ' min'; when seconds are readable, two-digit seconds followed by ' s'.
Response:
11 h 49 min
